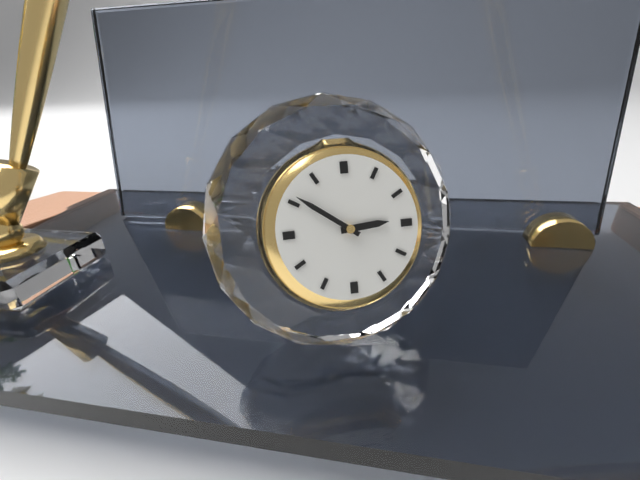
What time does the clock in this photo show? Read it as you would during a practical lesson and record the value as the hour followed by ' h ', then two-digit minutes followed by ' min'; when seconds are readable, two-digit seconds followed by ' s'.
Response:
2 h 51 min
